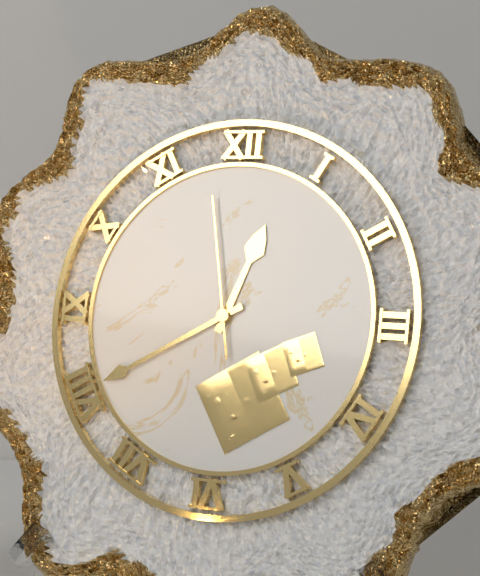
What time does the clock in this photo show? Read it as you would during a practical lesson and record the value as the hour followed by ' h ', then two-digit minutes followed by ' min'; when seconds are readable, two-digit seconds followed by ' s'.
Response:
12 h 40 min 58 s
